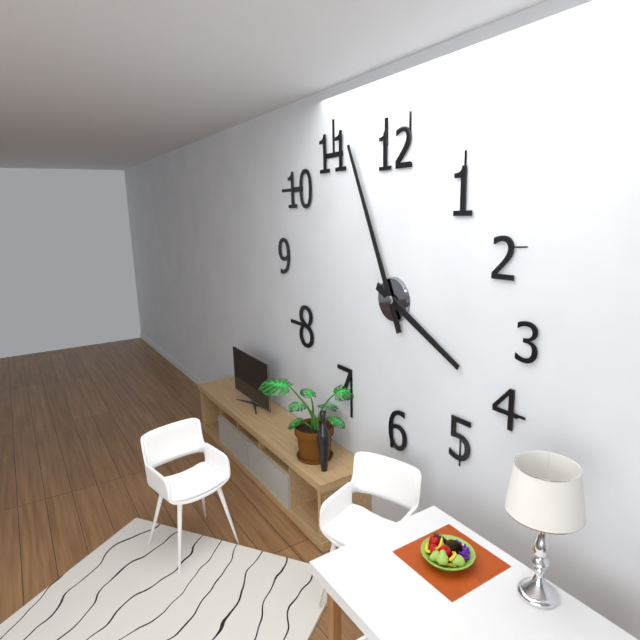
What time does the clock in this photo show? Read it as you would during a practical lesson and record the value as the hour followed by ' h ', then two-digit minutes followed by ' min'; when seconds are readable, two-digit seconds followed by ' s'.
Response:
3 h 56 min
